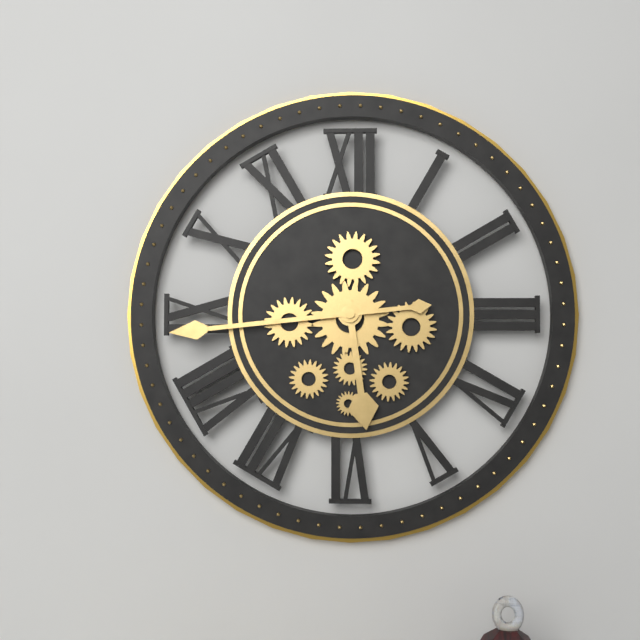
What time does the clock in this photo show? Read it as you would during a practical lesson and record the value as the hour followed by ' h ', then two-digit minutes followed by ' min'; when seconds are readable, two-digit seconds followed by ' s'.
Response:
5 h 44 min
